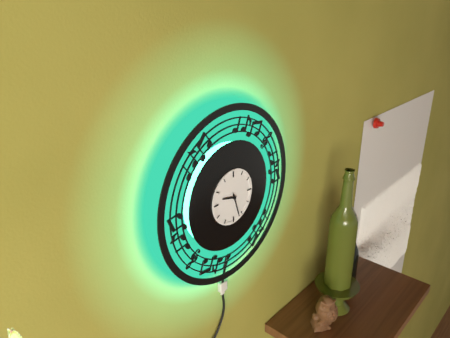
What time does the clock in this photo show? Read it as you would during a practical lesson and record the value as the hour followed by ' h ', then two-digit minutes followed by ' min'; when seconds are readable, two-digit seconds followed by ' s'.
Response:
9 h 27 min
